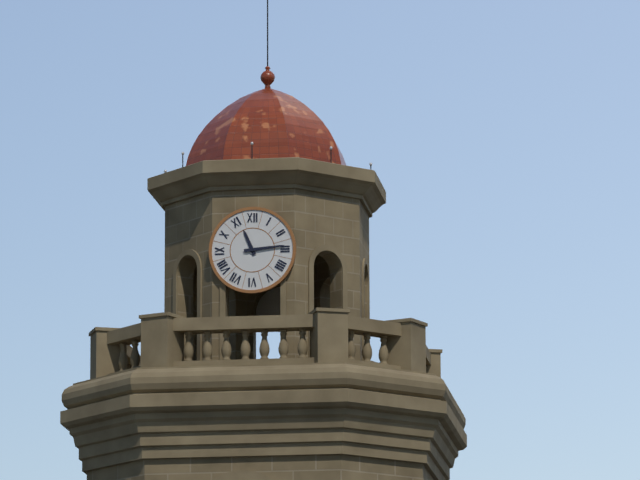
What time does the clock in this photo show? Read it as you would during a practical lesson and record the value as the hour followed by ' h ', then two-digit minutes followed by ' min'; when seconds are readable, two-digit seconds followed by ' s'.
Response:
11 h 14 min
